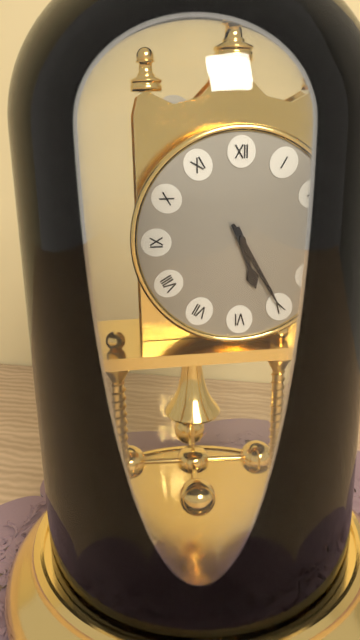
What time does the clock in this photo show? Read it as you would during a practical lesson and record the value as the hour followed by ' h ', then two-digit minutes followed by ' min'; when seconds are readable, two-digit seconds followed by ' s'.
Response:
5 h 25 min
